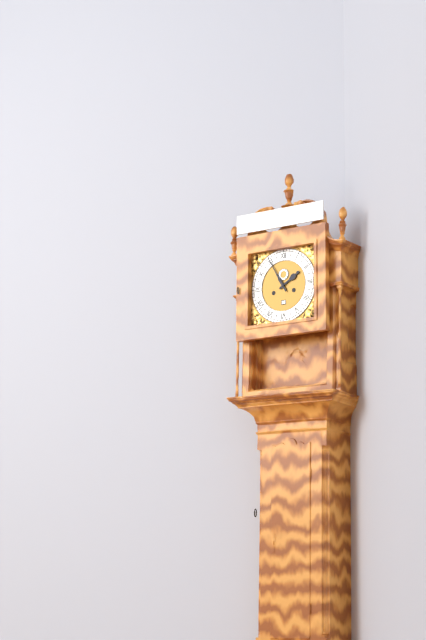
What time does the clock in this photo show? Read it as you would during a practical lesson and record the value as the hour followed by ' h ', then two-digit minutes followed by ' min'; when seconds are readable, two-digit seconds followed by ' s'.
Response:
1 h 55 min
